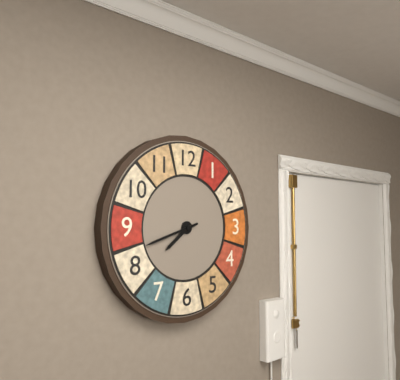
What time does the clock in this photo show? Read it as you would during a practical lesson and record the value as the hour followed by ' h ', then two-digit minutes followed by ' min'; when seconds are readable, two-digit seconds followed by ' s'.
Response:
7 h 42 min
